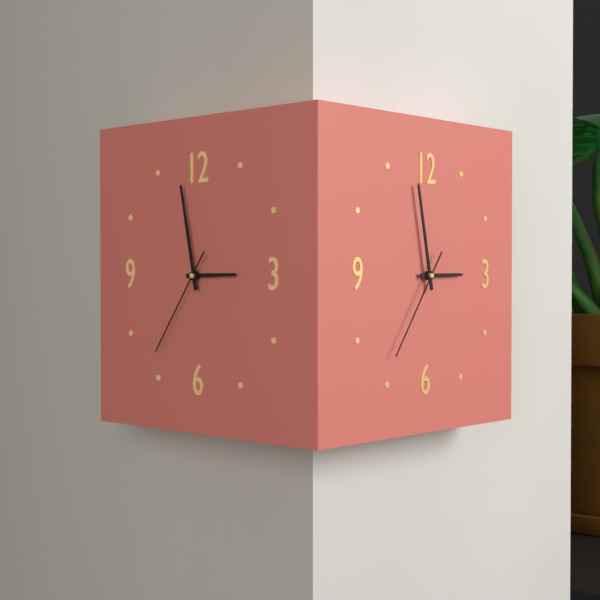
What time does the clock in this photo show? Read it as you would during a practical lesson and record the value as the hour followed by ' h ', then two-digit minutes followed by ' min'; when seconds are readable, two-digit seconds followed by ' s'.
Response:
2 h 58 min 36 s
